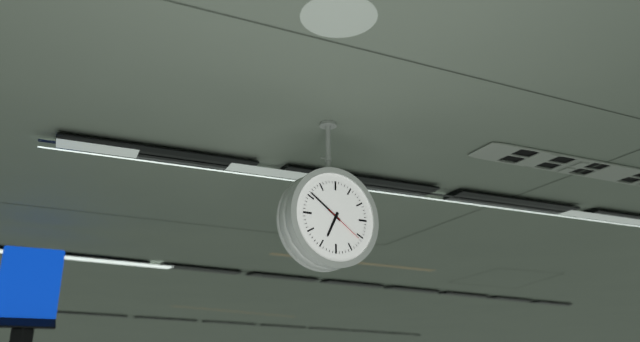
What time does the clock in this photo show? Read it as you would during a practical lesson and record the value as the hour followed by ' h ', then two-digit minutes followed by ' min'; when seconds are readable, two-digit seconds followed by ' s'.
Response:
6 h 51 min
